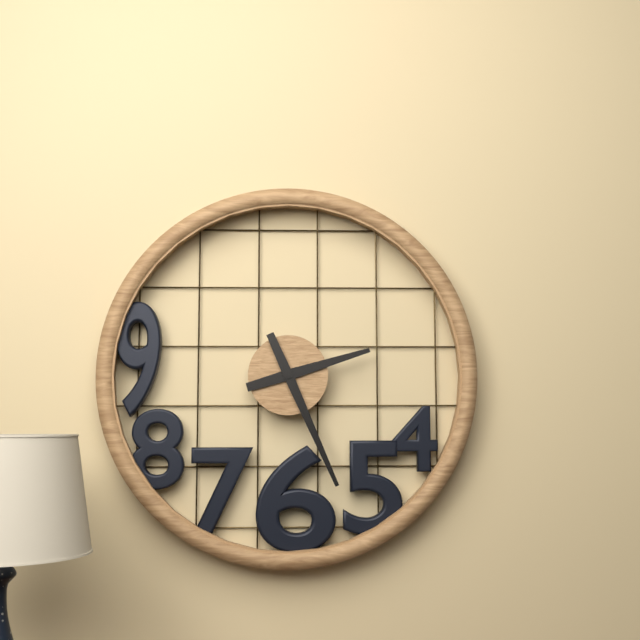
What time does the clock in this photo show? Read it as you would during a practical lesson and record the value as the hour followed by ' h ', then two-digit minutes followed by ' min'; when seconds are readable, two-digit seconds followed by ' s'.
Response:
2 h 26 min
